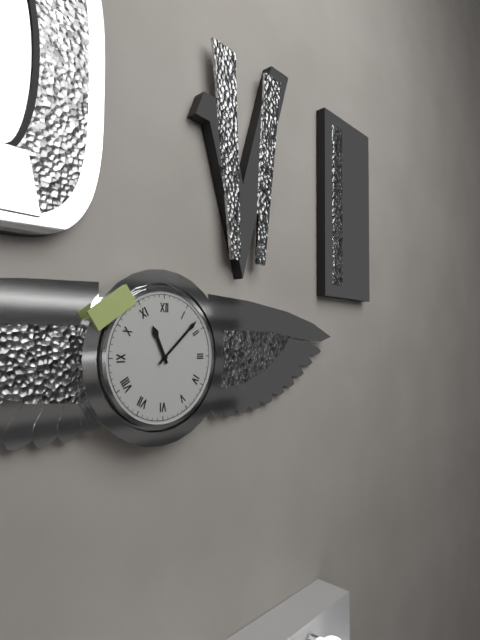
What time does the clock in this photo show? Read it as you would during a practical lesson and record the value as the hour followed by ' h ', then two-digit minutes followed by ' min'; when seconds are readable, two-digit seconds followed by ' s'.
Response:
11 h 08 min
